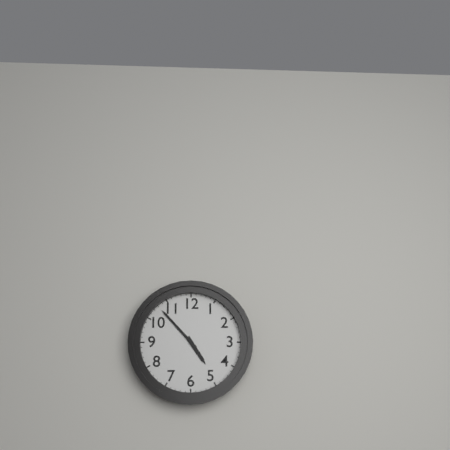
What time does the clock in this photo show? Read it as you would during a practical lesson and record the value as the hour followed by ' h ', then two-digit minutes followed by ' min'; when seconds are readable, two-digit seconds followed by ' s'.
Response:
4 h 53 min
